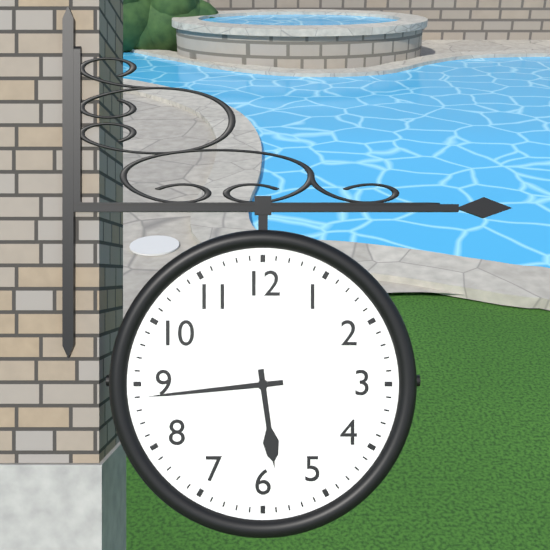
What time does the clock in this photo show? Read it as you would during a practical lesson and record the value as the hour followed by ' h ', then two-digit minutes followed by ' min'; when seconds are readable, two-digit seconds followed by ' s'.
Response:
5 h 44 min
